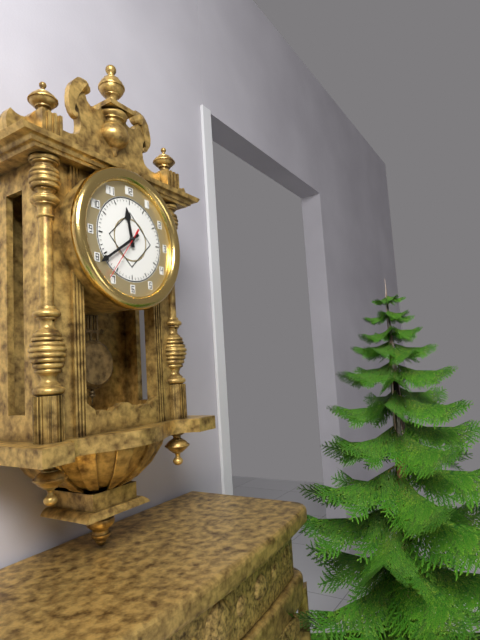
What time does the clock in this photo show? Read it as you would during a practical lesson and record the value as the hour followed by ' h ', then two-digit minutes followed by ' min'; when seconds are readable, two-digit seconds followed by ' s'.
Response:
11 h 39 min 36 s
